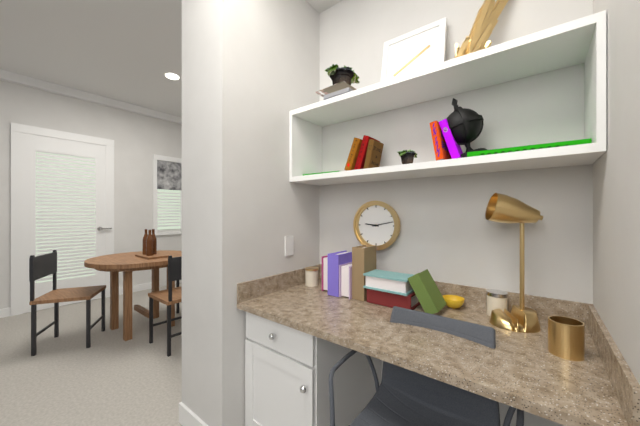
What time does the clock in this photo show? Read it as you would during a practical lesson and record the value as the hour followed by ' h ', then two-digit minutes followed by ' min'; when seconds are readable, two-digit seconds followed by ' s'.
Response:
9 h 13 min
